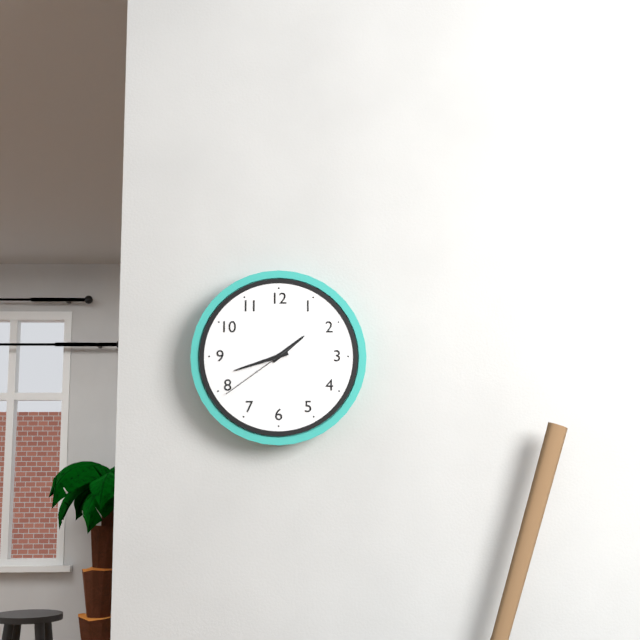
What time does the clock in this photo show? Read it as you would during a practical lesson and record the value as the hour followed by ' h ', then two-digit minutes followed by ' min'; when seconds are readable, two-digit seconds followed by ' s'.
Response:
1 h 42 min 39 s
